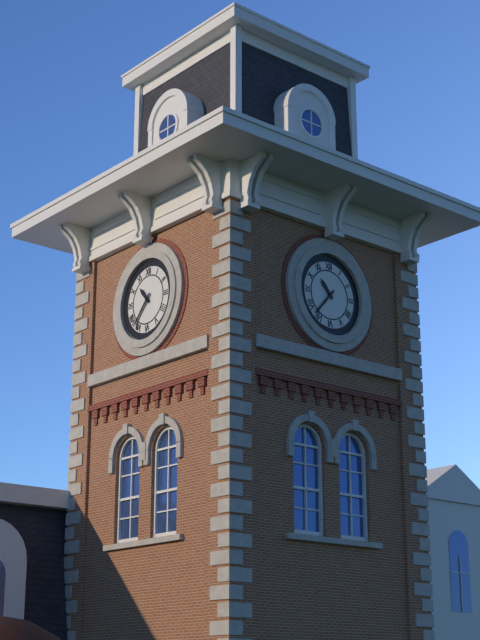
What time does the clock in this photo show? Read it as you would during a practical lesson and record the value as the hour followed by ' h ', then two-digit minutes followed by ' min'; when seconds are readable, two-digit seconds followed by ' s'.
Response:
10 h 37 min
